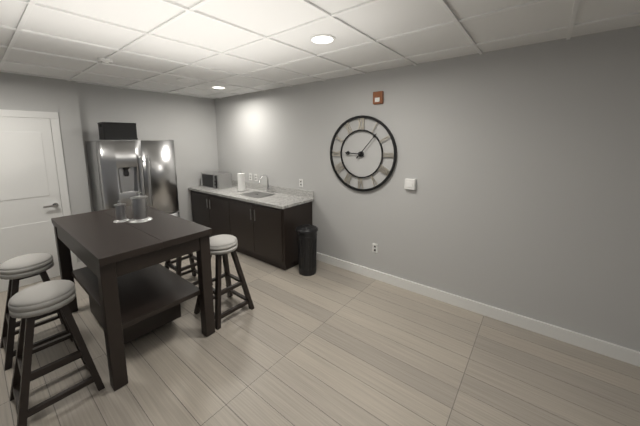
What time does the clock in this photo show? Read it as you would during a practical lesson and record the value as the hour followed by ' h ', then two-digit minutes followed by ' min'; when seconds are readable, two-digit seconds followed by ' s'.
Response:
9 h 07 min
